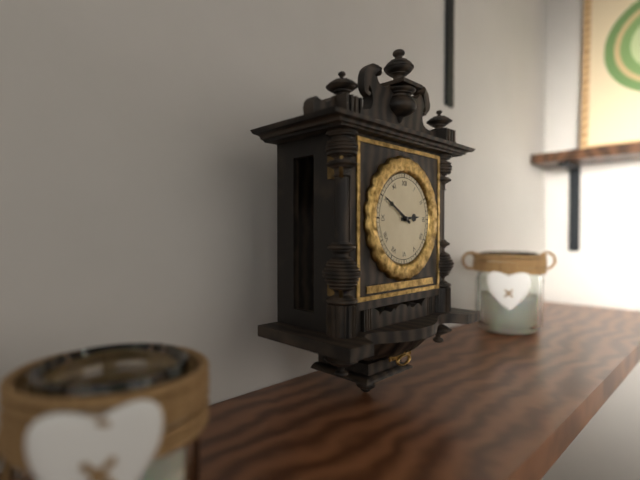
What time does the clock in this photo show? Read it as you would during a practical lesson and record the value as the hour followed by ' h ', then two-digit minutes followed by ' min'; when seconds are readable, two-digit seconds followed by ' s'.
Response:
2 h 50 min
